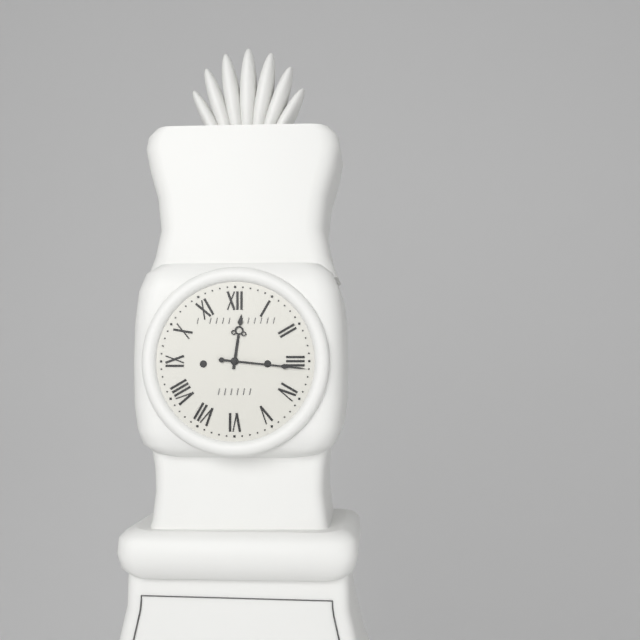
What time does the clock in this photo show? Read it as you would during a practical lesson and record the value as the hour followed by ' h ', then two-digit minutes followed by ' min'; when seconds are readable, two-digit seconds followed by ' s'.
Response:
12 h 16 min
